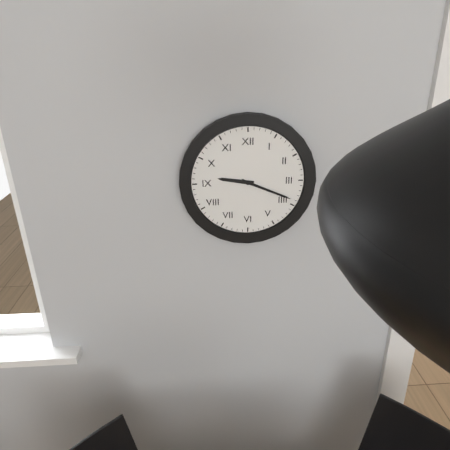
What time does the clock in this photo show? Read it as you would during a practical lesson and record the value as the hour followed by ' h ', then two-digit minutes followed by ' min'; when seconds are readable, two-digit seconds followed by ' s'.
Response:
9 h 19 min
